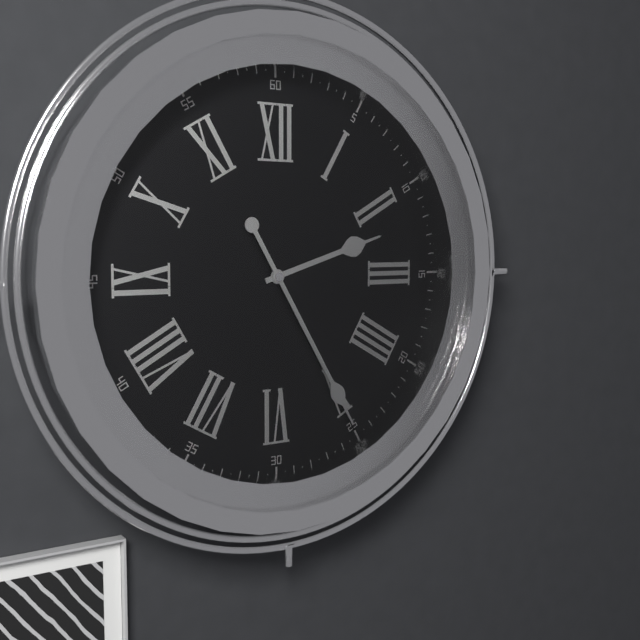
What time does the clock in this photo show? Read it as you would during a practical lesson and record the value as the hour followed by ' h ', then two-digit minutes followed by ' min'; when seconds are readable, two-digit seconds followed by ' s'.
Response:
2 h 25 min
